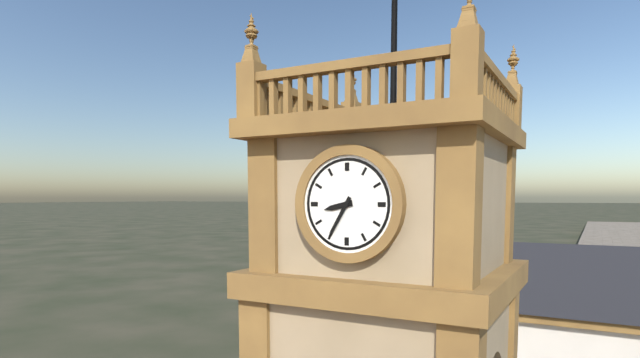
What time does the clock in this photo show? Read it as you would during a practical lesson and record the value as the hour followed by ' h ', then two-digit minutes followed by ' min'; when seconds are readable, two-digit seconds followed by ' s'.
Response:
8 h 35 min
